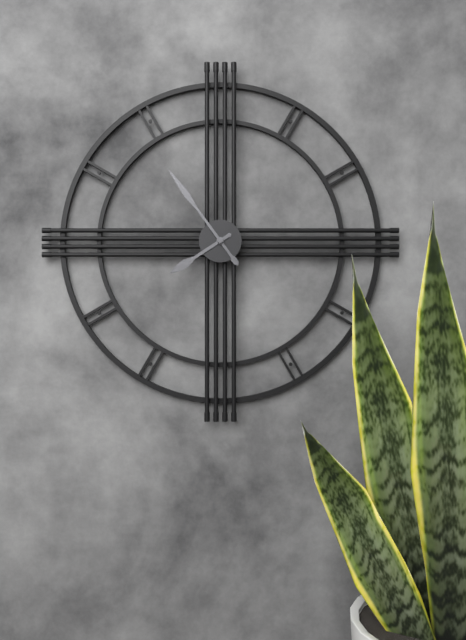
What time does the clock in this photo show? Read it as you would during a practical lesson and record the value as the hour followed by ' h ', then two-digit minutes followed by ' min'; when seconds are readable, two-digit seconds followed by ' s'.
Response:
7 h 54 min
